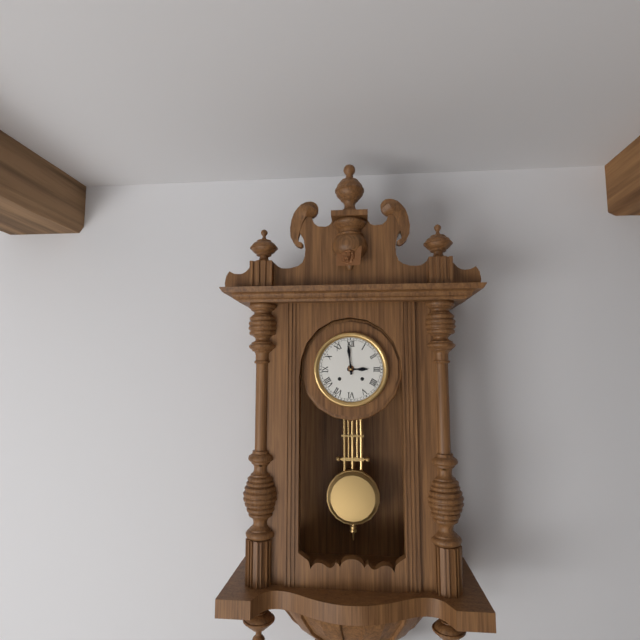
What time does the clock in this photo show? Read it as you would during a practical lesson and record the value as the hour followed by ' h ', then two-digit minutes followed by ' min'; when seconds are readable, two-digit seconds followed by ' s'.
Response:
2 h 59 min
